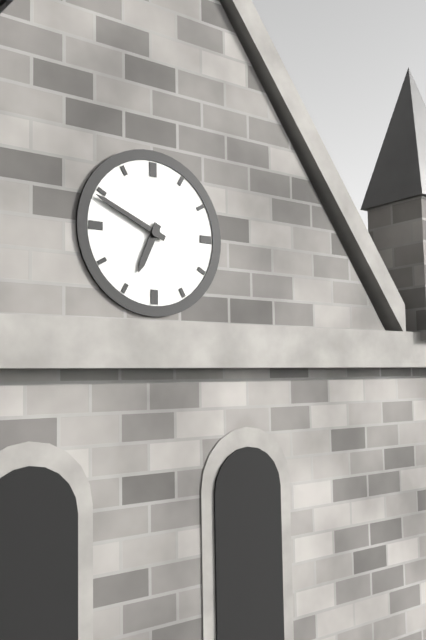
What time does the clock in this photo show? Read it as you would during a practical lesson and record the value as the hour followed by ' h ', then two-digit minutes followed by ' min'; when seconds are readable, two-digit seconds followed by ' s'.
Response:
6 h 49 min
